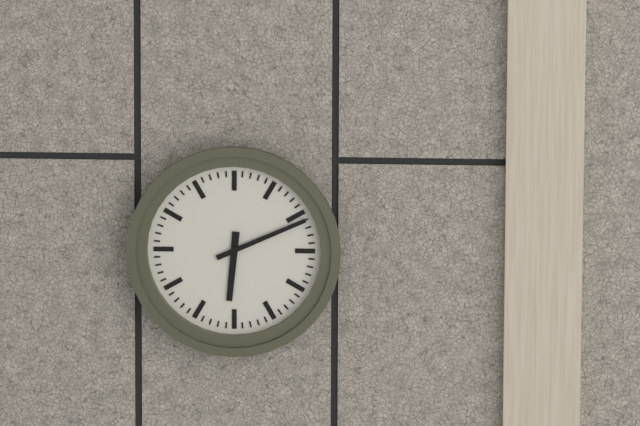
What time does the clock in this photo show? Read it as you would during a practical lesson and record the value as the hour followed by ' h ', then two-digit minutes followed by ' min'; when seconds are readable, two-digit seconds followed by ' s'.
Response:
6 h 11 min
